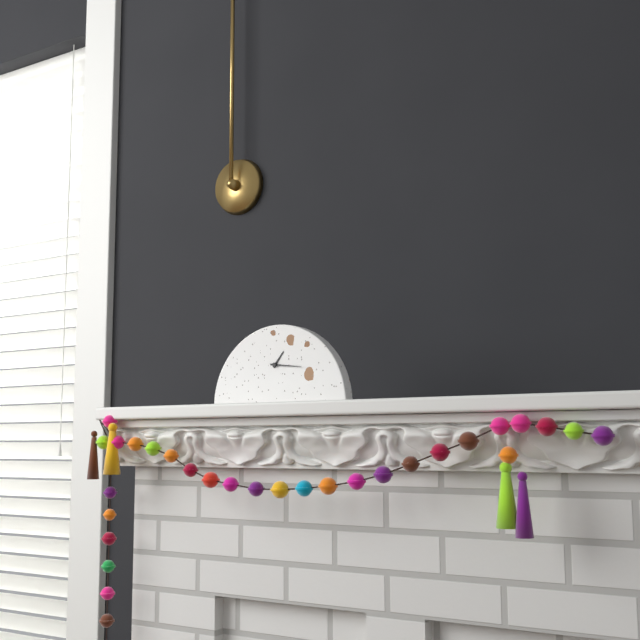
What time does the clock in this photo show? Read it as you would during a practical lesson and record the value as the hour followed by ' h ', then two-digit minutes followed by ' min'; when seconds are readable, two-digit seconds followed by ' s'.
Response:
1 h 16 min
